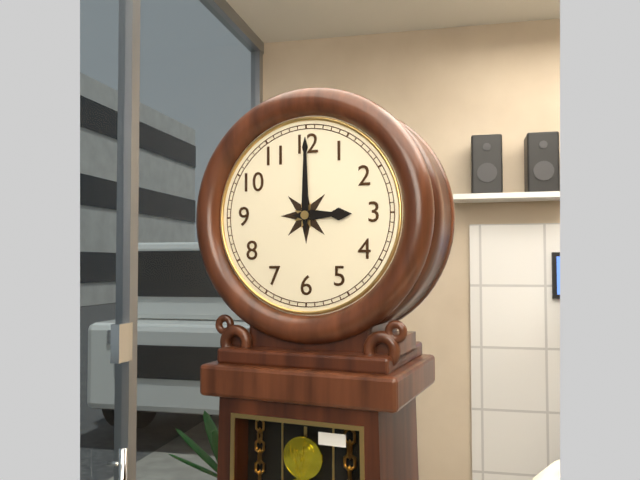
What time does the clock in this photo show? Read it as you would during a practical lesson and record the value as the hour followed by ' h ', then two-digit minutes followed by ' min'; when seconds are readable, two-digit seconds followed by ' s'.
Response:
3 h 00 min
